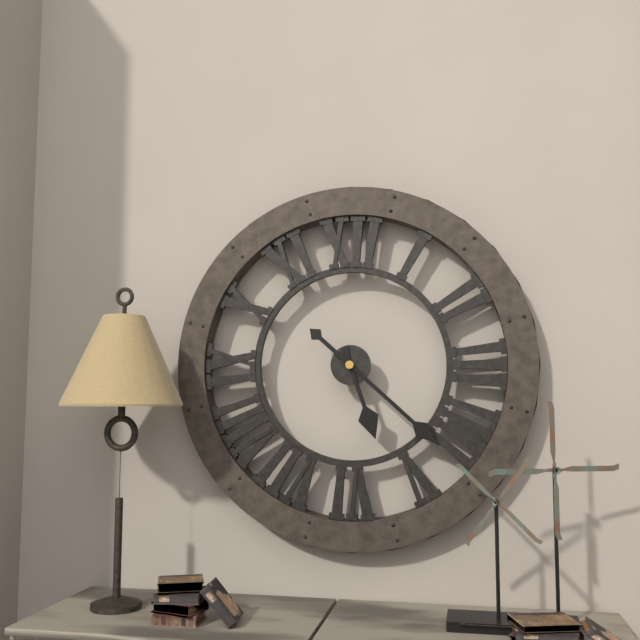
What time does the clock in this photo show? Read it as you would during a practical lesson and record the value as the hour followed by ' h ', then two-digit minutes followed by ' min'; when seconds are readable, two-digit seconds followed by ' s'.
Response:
5 h 22 min
